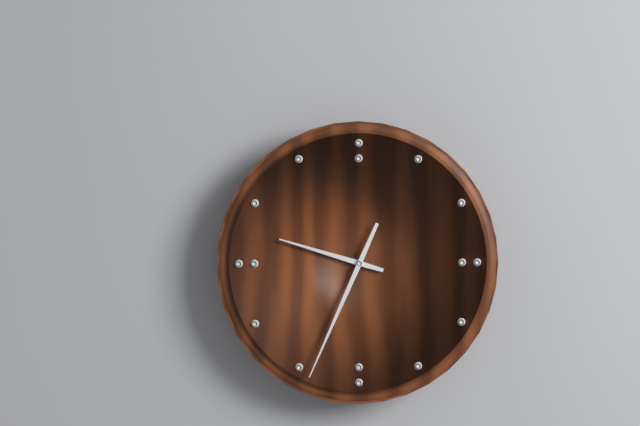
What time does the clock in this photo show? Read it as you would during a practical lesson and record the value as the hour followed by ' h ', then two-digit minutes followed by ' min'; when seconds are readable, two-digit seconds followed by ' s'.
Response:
9 h 34 min
